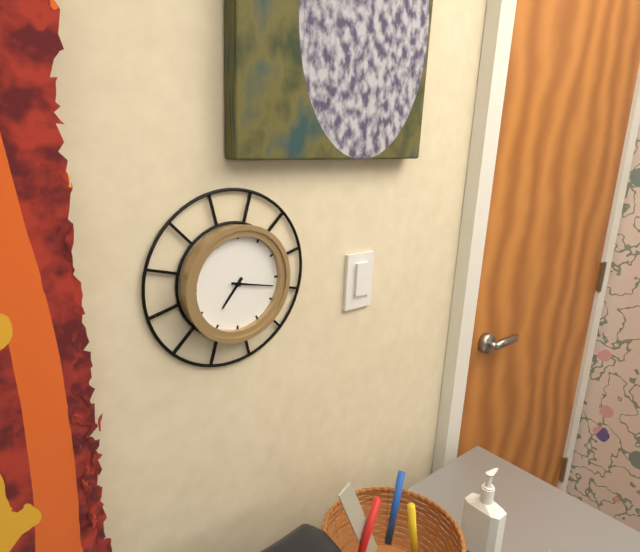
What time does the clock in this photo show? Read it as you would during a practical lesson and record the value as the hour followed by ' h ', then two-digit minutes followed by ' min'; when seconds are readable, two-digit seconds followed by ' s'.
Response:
7 h 17 min
